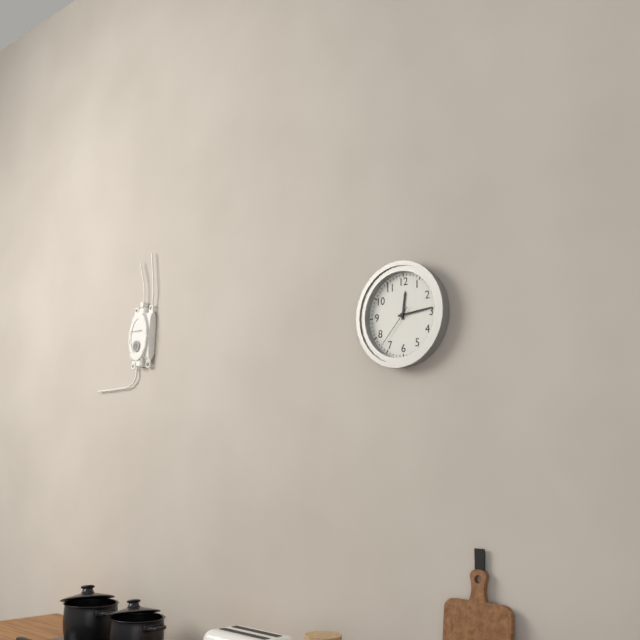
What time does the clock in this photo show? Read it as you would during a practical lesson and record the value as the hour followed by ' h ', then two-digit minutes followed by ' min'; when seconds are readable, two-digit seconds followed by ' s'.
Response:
12 h 14 min
